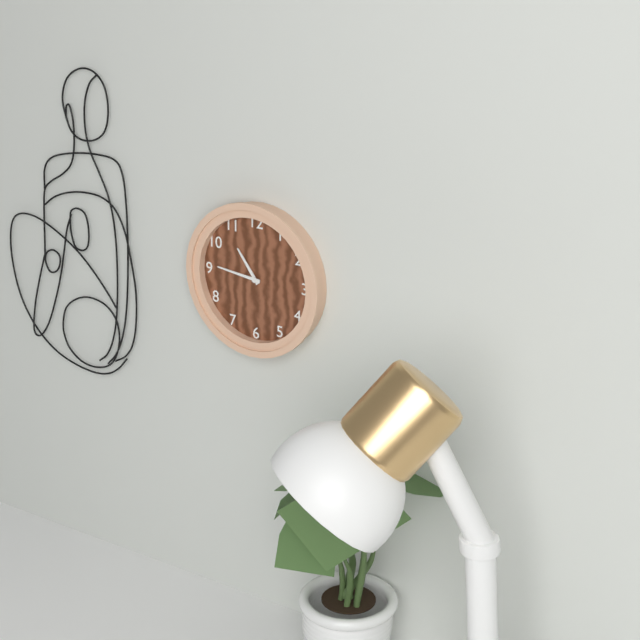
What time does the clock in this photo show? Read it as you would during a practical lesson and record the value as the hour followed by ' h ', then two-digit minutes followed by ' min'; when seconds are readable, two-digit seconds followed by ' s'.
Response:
10 h 46 min
